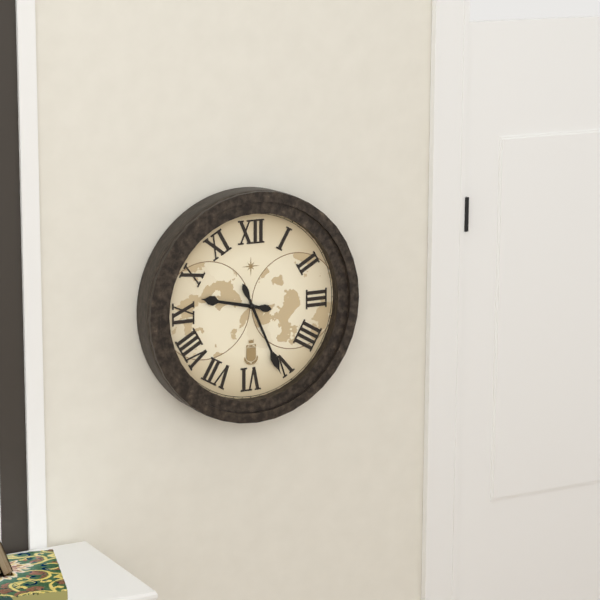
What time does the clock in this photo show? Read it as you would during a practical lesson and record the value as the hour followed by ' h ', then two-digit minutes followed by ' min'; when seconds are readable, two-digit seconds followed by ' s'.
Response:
9 h 26 min
